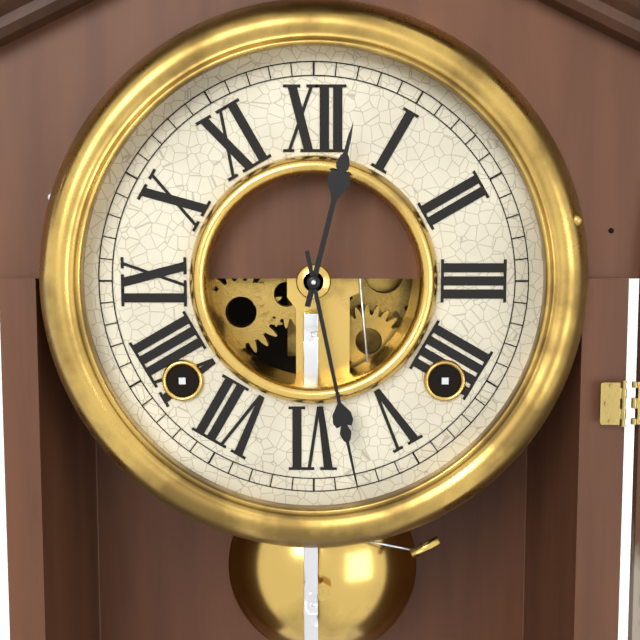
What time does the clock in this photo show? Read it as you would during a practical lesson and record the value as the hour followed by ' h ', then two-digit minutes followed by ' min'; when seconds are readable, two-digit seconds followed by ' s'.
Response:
12 h 28 min
